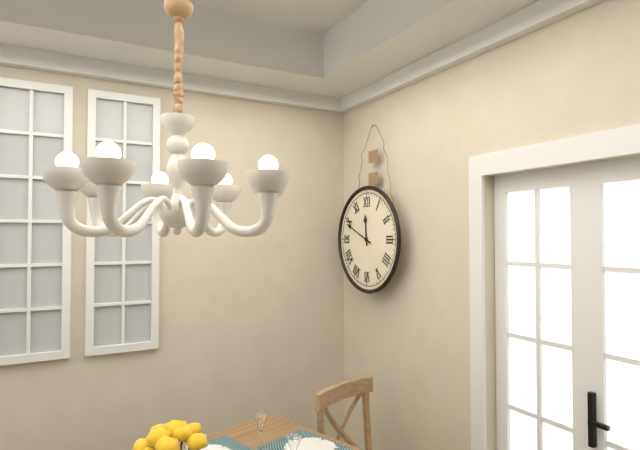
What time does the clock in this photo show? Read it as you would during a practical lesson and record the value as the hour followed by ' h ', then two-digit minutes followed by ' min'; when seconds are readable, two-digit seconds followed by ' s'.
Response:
11 h 49 min
